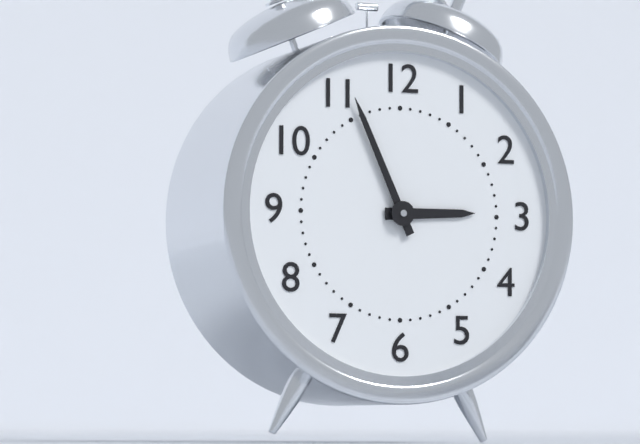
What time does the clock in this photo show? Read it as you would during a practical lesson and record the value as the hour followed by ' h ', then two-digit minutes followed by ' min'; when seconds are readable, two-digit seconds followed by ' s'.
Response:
2 h 56 min
